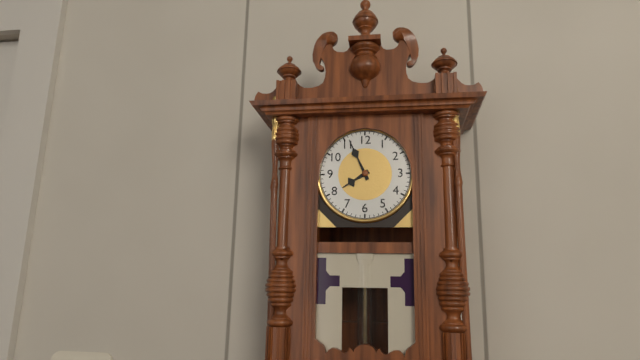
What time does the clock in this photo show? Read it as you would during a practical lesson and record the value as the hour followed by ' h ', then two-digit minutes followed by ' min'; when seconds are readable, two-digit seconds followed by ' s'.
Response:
7 h 56 min
